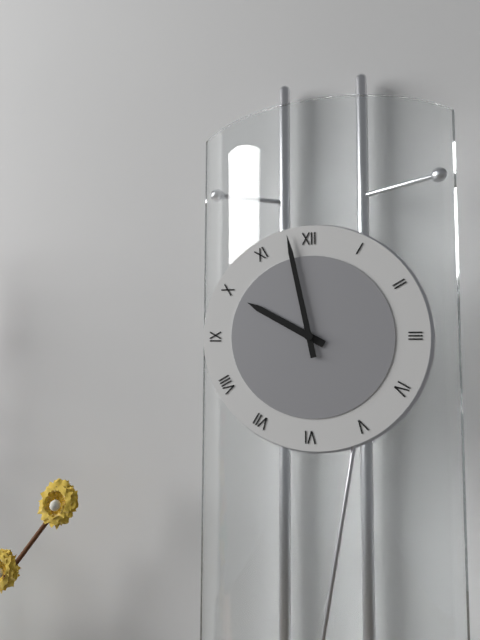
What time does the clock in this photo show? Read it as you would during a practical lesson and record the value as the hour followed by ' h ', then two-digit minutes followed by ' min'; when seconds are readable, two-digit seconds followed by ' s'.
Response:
9 h 58 min
